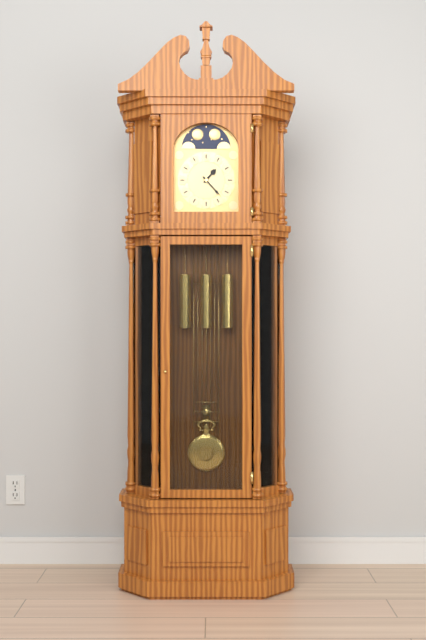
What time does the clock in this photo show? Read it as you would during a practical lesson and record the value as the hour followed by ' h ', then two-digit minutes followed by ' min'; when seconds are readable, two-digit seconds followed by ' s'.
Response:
1 h 23 min
